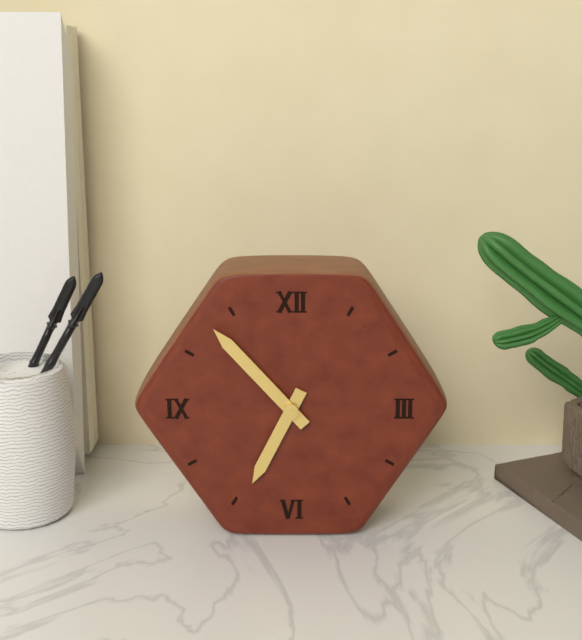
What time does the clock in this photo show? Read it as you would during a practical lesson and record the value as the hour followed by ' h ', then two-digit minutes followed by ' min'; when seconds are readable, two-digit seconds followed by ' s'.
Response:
6 h 53 min
